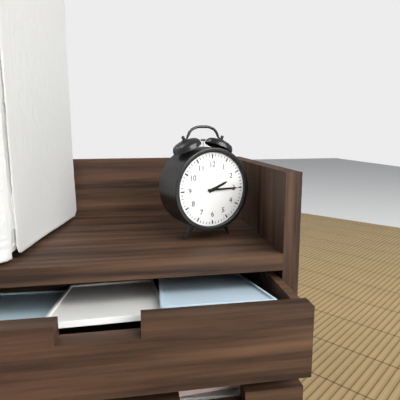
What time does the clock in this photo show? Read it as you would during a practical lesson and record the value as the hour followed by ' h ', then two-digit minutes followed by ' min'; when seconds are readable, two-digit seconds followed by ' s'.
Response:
2 h 15 min
